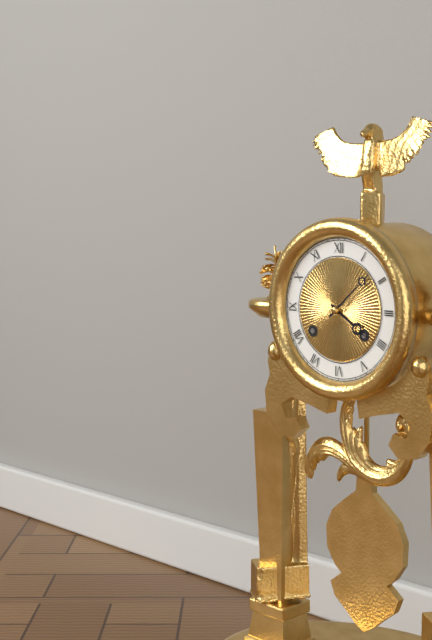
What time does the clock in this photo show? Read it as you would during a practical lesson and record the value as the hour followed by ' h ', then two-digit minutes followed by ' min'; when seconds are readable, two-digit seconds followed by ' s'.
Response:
4 h 08 min
